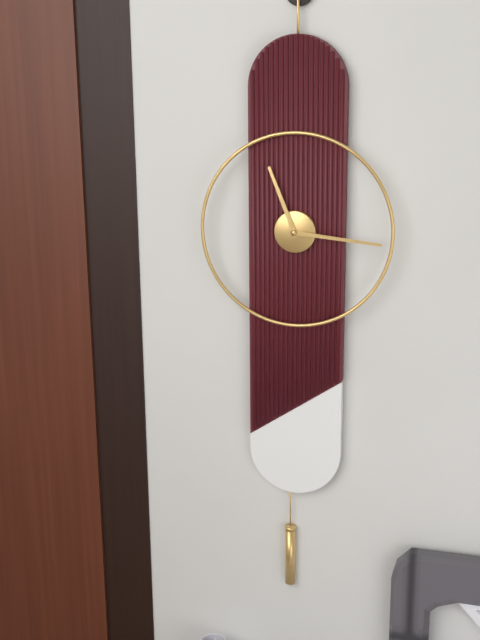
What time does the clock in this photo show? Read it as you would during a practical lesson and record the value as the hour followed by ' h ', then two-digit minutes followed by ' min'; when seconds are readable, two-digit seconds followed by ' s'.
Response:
11 h 16 min
